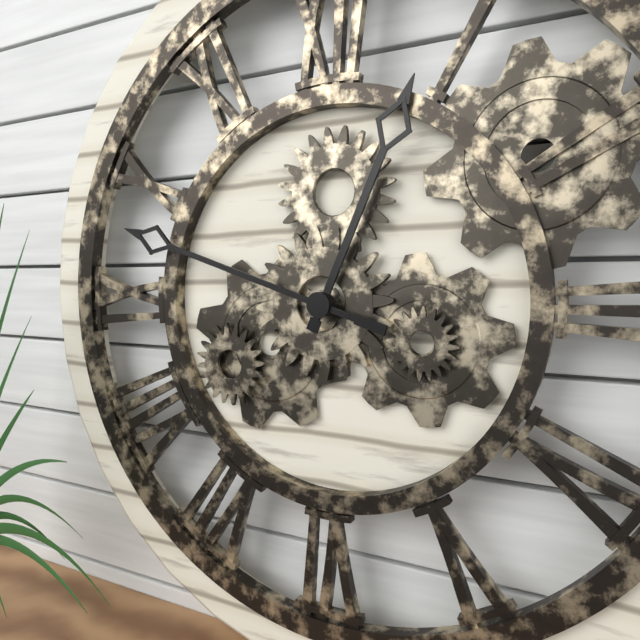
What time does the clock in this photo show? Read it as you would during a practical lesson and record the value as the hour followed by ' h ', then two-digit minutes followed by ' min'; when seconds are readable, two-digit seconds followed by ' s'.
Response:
12 h 48 min
